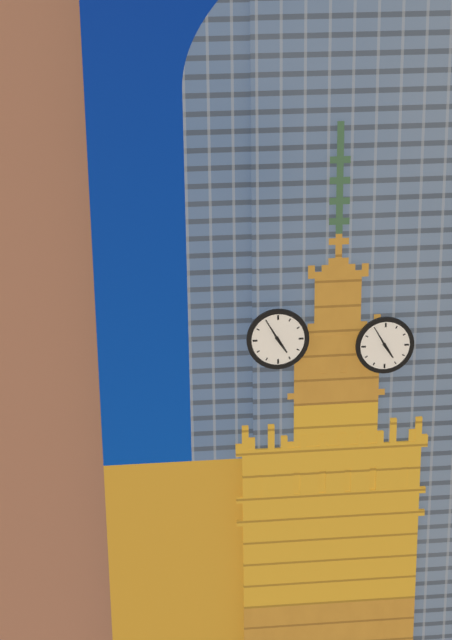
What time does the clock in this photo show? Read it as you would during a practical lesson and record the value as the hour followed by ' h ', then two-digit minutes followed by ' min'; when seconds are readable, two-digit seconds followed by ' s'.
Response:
4 h 55 min
